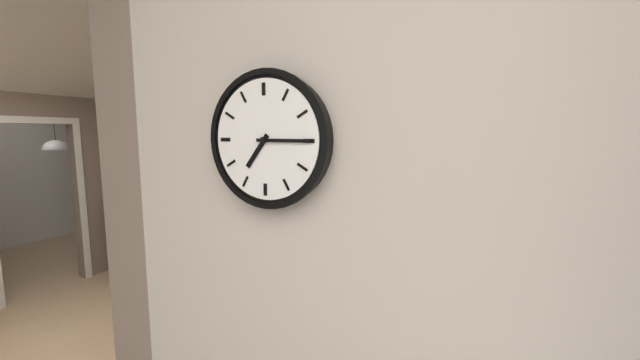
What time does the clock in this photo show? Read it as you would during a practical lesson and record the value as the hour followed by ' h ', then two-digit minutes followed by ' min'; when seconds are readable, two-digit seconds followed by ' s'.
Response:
7 h 15 min
